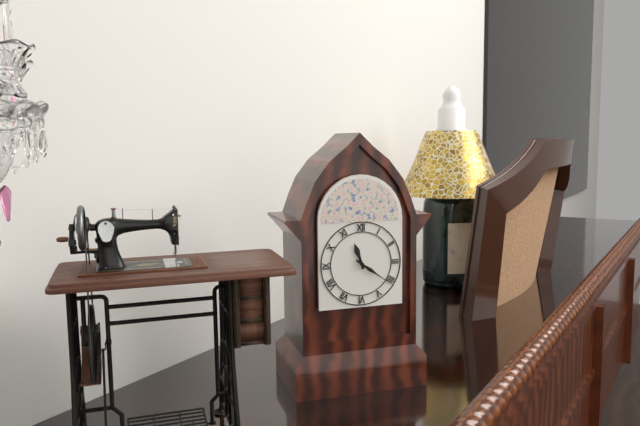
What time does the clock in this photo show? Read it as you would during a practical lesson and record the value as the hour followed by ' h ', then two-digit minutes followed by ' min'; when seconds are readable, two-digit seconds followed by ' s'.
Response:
11 h 21 min
